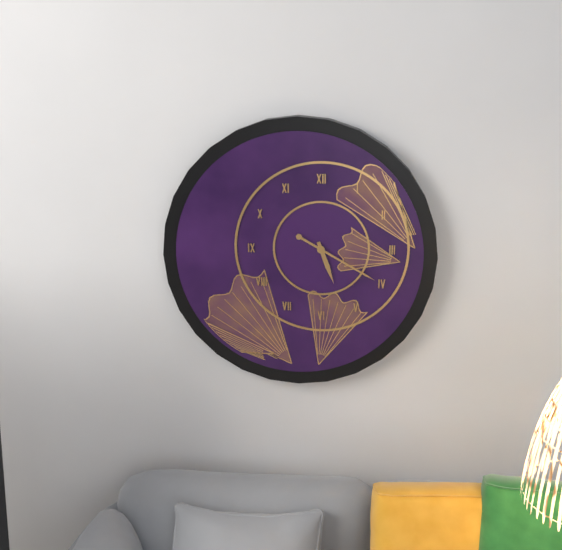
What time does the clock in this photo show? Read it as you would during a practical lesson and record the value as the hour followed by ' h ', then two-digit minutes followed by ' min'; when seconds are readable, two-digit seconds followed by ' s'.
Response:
5 h 20 min
